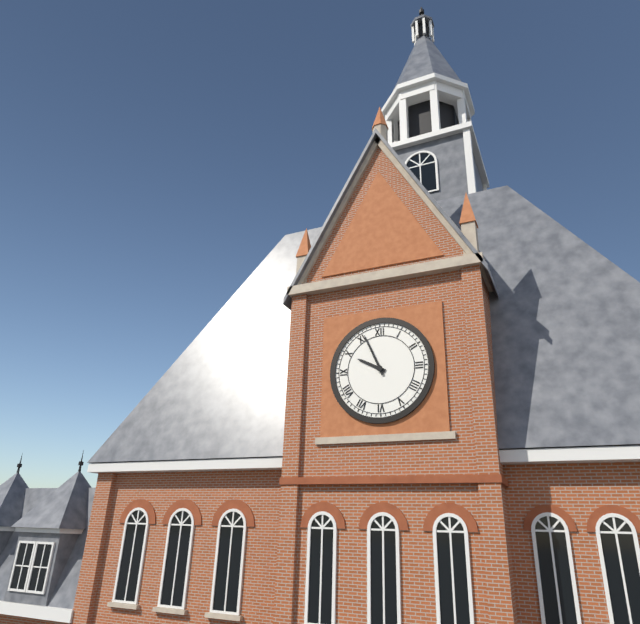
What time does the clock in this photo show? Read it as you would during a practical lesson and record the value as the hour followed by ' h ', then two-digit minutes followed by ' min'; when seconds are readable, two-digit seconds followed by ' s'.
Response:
9 h 56 min
